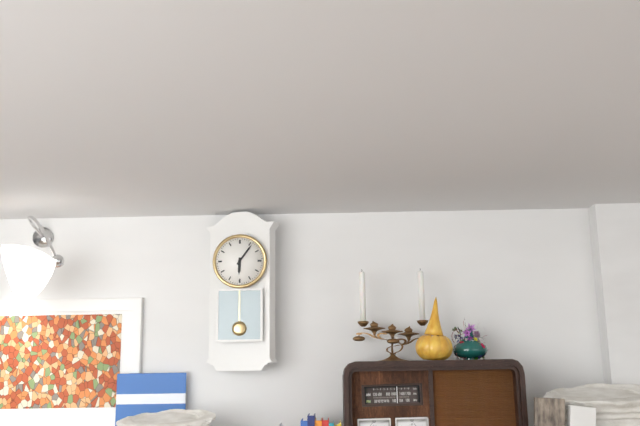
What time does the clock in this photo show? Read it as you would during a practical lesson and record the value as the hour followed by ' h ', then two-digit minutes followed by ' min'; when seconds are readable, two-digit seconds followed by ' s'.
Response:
6 h 06 min
